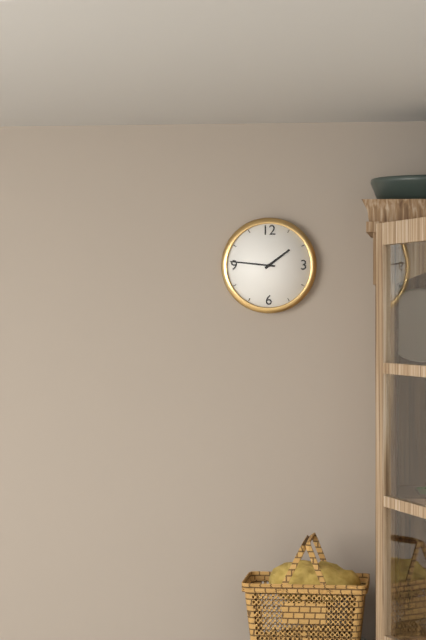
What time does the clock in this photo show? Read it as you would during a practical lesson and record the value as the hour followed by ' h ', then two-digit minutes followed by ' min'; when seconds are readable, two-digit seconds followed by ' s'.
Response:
1 h 46 min
